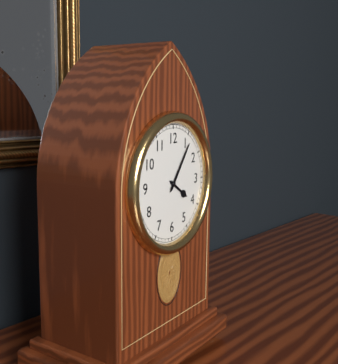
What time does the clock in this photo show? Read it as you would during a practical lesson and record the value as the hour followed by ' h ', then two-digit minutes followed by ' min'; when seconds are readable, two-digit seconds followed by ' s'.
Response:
4 h 06 min
